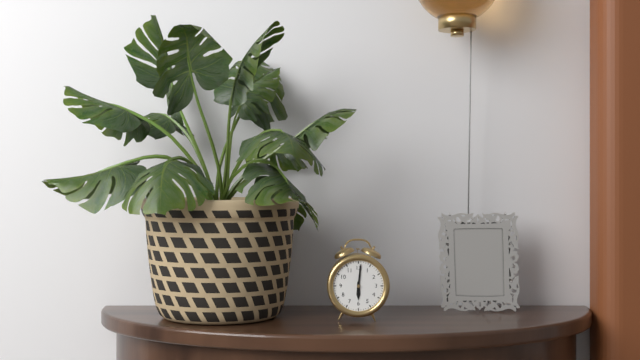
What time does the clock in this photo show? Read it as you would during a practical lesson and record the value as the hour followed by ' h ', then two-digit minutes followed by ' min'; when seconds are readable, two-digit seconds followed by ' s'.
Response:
6 h 01 min
